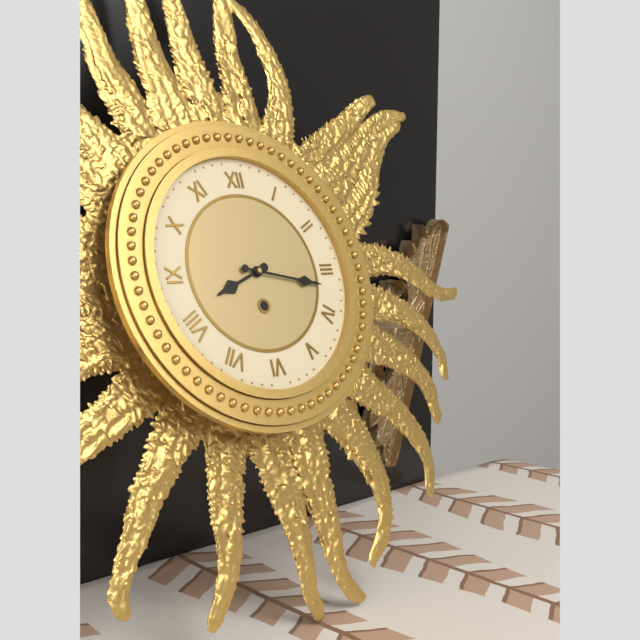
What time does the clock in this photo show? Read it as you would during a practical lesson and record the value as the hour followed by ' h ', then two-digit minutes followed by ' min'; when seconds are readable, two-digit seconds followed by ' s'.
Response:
8 h 17 min
